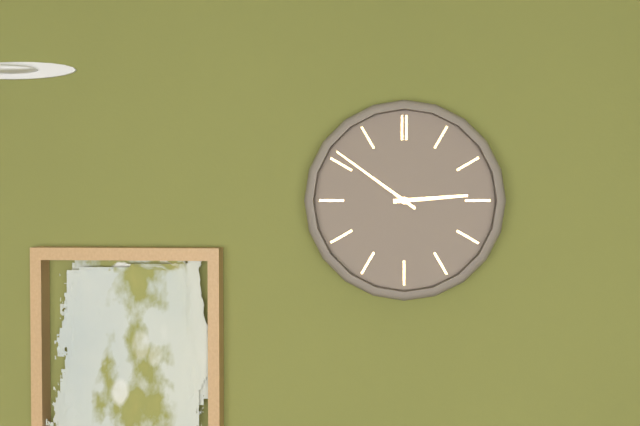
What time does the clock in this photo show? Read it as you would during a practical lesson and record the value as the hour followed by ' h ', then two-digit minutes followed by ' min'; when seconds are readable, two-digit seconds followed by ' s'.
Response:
2 h 51 min
